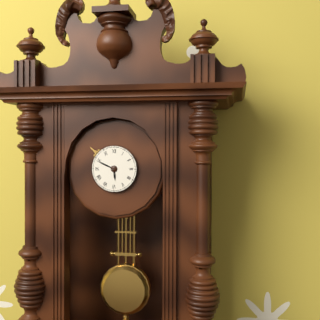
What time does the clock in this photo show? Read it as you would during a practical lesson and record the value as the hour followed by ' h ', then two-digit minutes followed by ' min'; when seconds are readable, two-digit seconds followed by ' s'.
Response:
5 h 49 min
